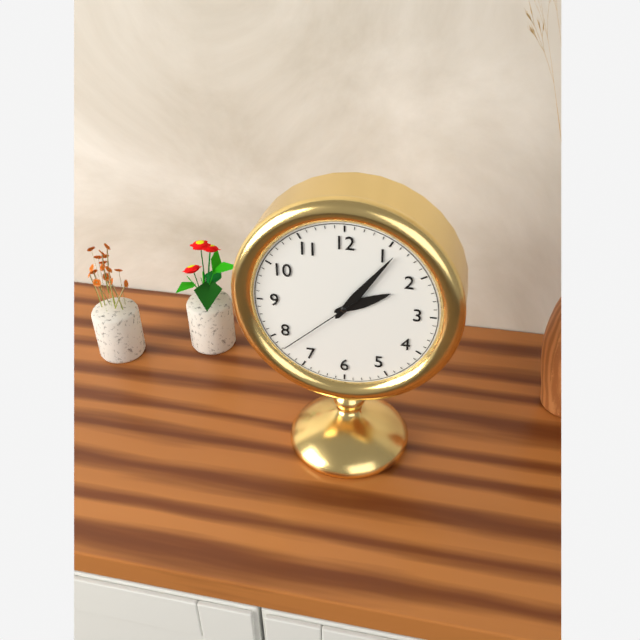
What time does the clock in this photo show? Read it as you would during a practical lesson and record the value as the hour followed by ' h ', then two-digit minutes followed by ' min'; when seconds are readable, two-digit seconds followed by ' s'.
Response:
2 h 06 min 38 s
